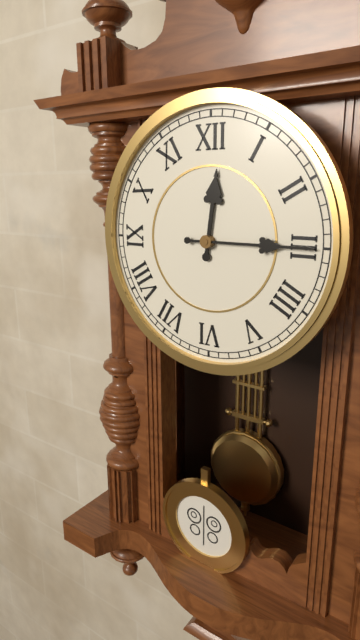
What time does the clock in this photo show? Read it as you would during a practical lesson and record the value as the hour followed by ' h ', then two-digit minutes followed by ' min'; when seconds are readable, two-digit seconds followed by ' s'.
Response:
12 h 15 min
